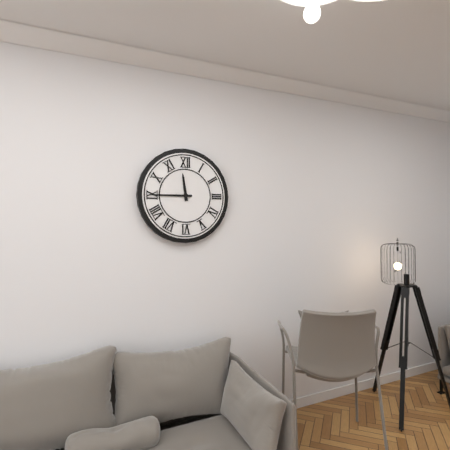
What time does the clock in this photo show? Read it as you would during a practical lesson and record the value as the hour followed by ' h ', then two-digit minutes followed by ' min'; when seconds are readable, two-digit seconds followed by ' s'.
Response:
11 h 45 min
